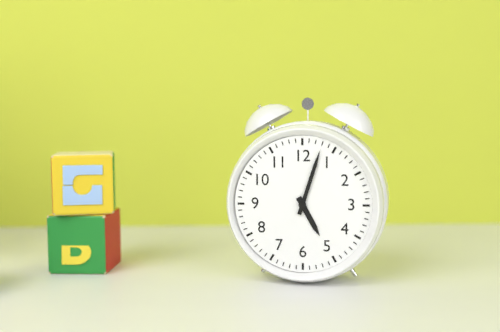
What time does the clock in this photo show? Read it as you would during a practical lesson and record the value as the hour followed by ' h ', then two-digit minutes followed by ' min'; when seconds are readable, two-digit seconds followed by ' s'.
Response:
5 h 03 min
